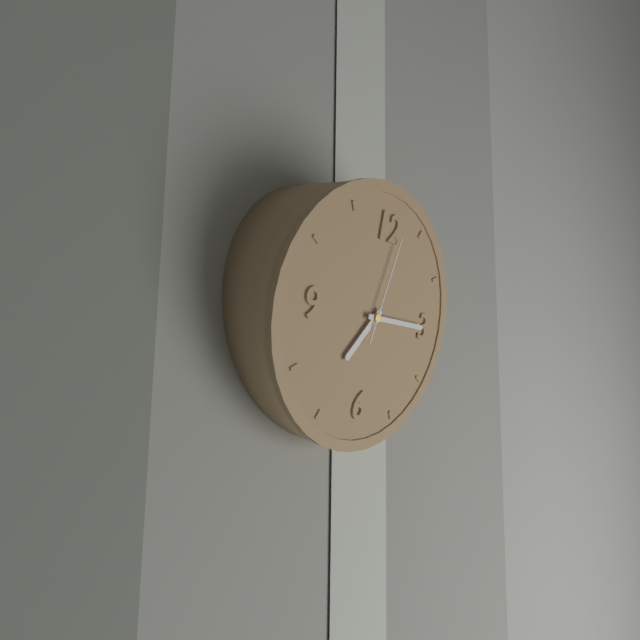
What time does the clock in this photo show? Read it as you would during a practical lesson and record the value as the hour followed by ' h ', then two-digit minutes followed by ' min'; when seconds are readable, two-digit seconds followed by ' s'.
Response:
7 h 15 min 02 s
